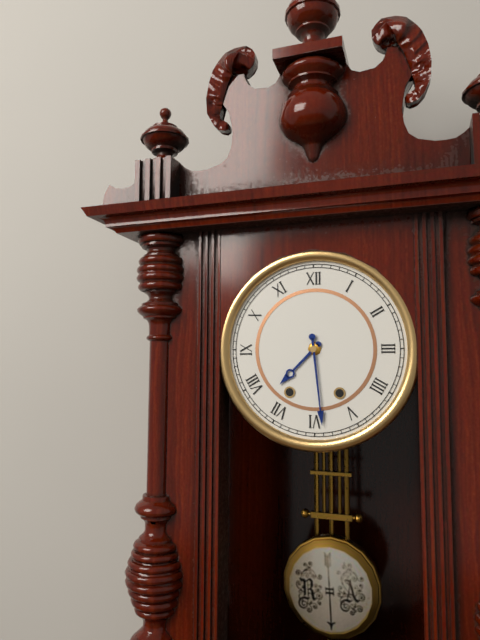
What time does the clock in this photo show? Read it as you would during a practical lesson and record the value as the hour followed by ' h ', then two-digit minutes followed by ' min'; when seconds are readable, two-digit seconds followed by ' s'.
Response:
7 h 29 min
